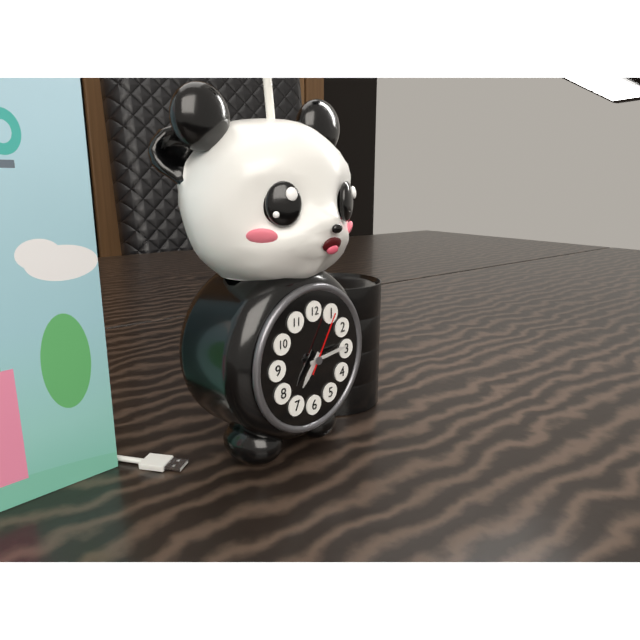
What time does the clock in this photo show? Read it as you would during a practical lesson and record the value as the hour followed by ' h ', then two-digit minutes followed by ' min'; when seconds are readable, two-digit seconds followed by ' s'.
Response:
7 h 14 min 05 s
